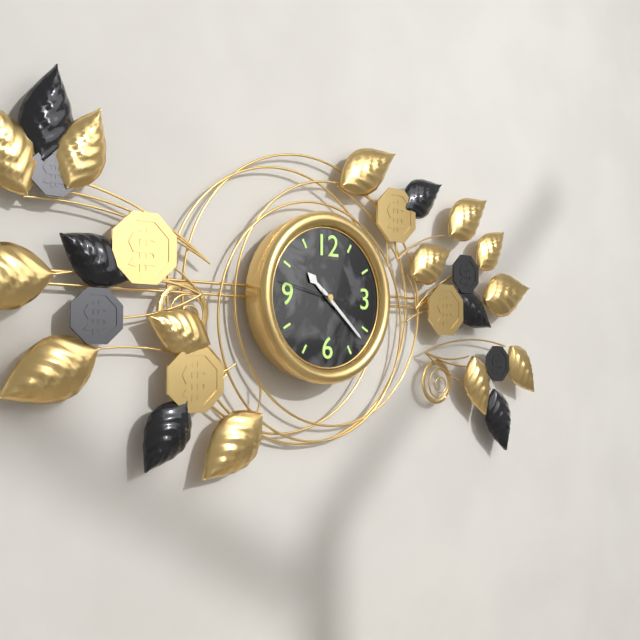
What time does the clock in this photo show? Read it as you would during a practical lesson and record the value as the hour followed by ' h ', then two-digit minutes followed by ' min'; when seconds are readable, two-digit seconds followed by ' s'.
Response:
10 h 22 min 47 s
